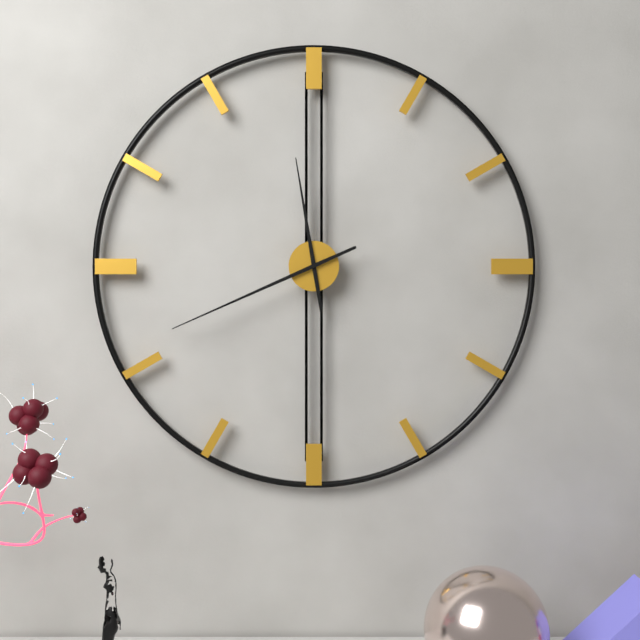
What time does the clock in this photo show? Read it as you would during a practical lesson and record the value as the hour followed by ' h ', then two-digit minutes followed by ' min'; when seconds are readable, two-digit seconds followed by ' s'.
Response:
11 h 41 min
